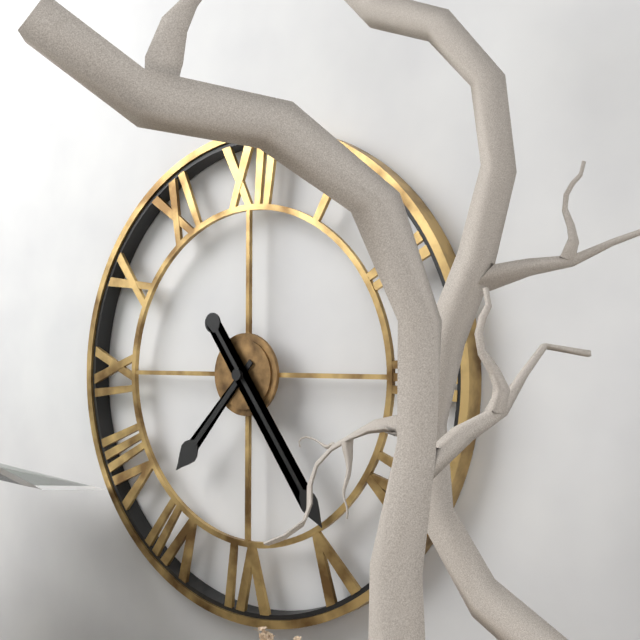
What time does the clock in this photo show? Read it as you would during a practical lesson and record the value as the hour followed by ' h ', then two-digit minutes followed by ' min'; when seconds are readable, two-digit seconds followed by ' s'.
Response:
7 h 24 min
